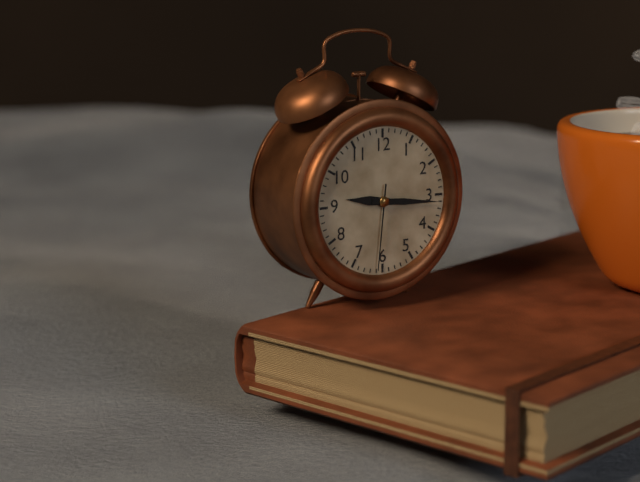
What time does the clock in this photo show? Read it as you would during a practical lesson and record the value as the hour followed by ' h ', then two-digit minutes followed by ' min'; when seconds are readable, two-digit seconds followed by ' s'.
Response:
9 h 16 min 31 s
